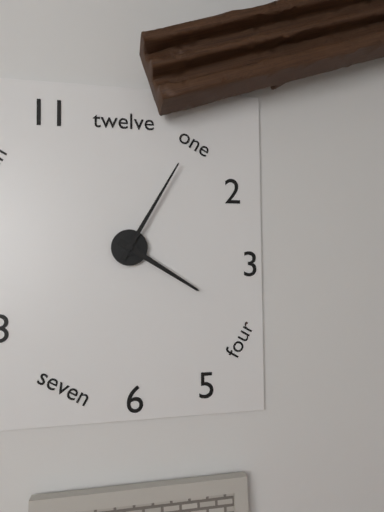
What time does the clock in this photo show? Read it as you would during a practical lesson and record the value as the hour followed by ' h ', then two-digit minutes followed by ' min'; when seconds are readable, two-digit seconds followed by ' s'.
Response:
4 h 05 min
